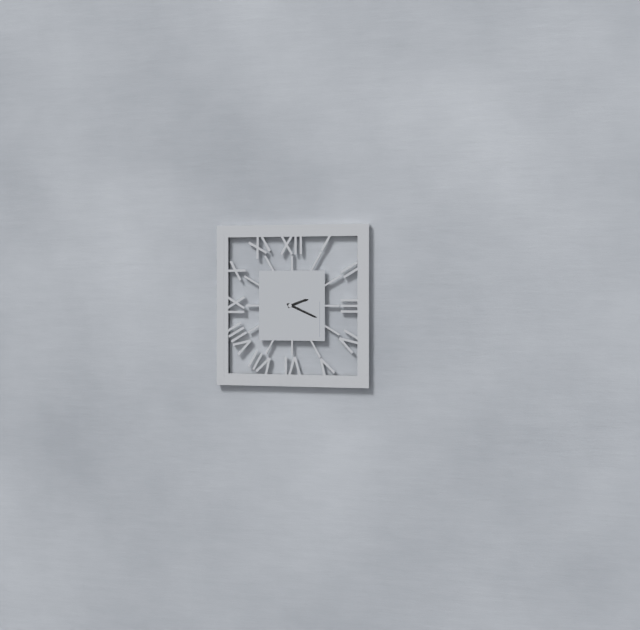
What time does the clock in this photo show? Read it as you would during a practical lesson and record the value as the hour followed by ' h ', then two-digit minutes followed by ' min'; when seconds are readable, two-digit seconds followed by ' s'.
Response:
2 h 19 min
